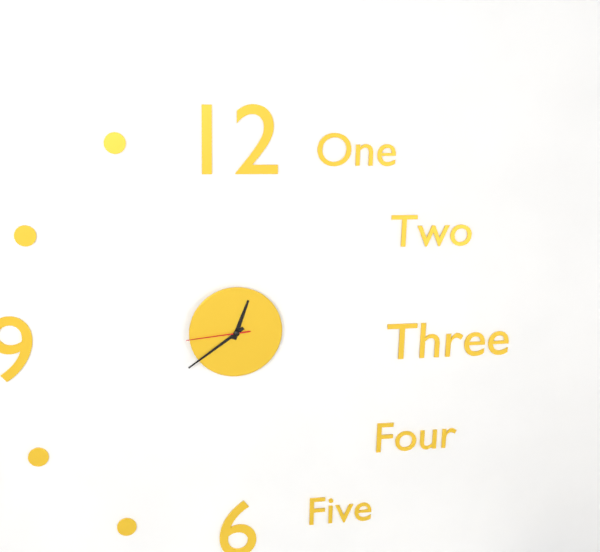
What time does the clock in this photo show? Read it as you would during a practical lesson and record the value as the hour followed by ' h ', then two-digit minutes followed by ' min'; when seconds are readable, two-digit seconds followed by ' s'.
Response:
12 h 39 min 44 s
